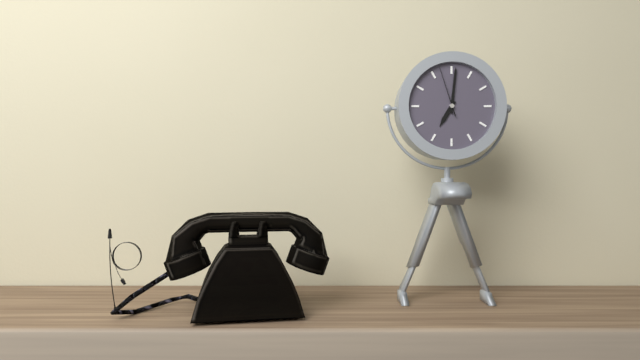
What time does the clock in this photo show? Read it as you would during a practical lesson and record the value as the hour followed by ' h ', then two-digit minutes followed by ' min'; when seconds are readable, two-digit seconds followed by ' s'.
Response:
7 h 01 min 57 s
